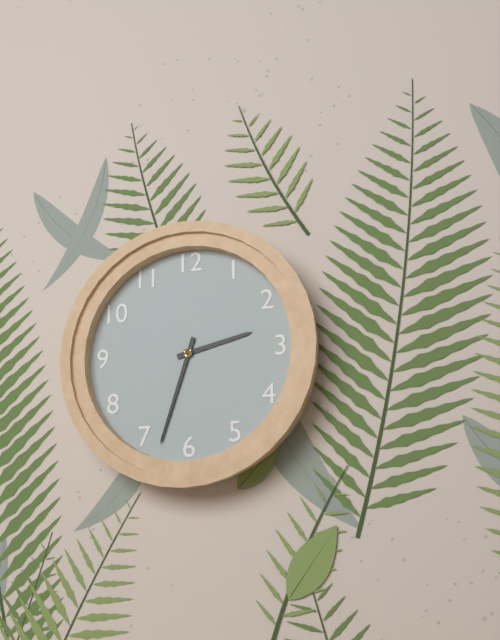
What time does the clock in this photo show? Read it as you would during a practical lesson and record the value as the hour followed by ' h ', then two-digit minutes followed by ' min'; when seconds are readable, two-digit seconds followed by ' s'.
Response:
2 h 33 min
